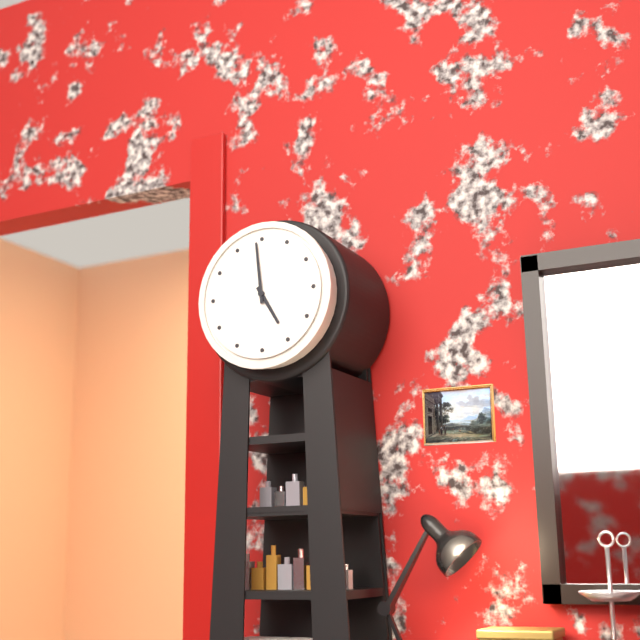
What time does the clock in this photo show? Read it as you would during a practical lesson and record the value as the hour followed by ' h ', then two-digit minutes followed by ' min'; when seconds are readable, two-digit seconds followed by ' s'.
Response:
4 h 59 min
